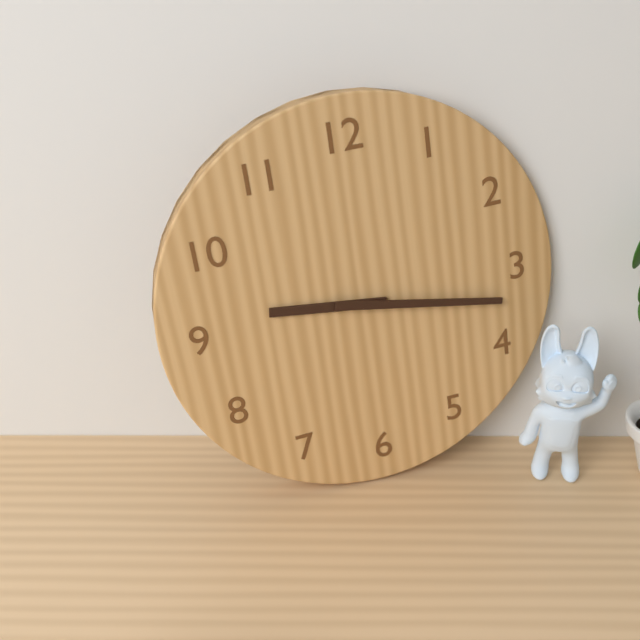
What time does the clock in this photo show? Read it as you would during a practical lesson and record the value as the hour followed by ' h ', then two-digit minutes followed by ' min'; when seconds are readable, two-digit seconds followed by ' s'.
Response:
9 h 17 min
